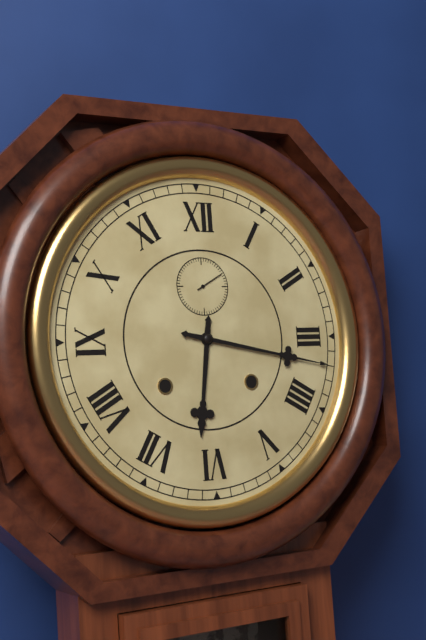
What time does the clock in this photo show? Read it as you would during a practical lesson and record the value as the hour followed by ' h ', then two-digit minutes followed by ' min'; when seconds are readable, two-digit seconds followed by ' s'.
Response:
6 h 17 min
